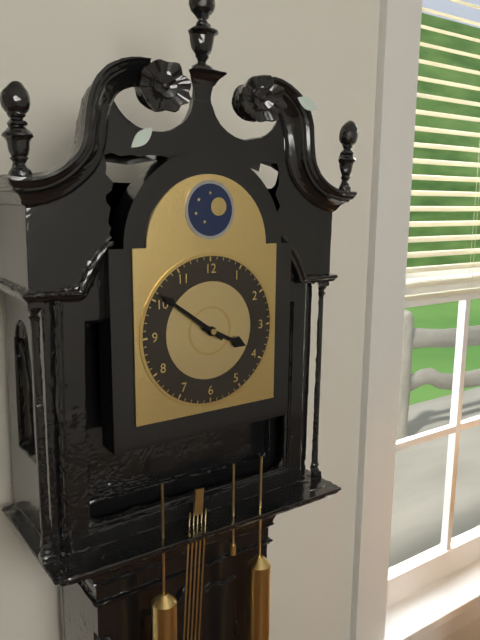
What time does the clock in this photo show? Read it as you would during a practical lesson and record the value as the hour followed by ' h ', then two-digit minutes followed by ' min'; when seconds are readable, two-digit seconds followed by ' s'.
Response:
3 h 51 min
